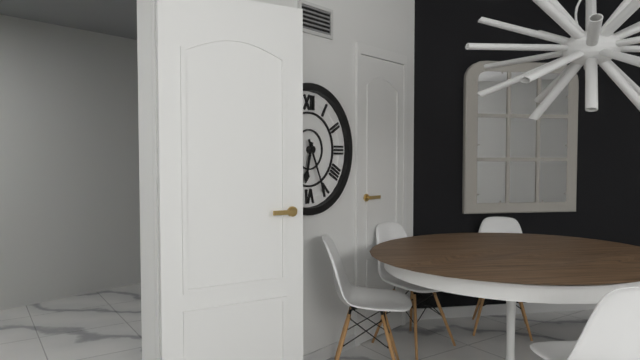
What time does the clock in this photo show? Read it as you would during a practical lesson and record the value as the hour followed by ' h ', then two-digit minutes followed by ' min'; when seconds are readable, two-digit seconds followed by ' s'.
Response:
6 h 26 min
